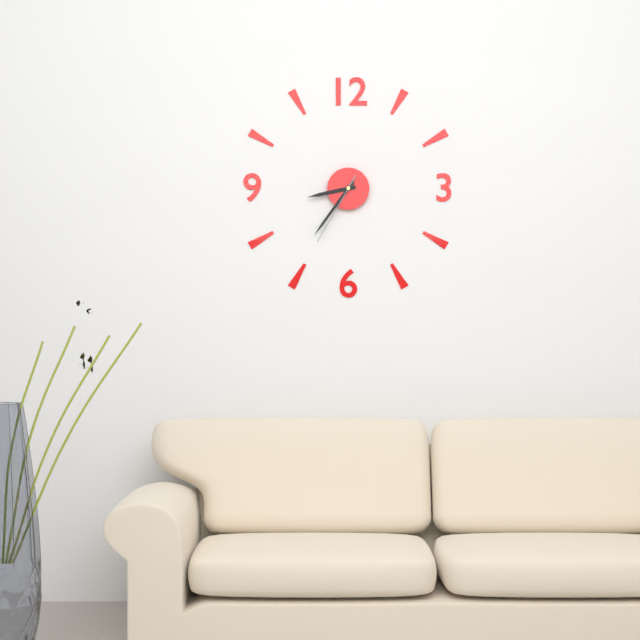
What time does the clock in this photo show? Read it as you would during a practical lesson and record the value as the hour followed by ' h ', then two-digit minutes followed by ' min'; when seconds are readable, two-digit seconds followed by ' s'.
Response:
8 h 36 min 35 s
